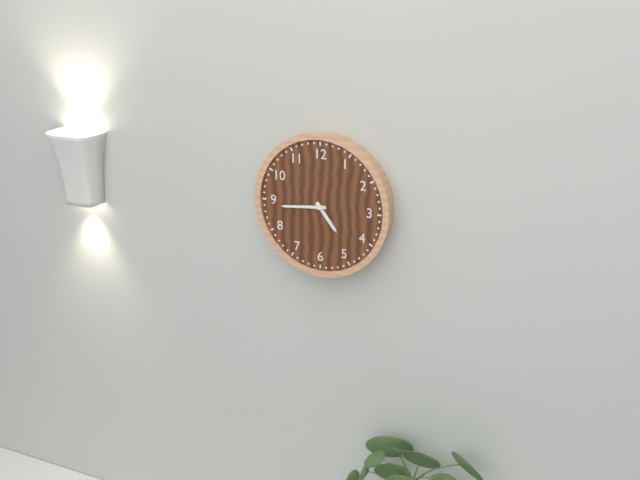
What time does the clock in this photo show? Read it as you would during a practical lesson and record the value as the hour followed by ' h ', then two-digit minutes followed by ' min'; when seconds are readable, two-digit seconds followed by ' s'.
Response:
4 h 44 min
